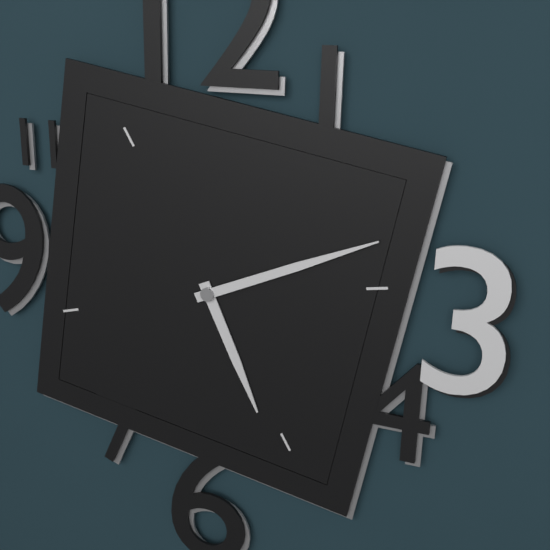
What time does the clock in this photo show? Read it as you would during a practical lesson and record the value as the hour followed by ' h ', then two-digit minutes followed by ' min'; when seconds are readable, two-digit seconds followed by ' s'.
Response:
5 h 11 min
